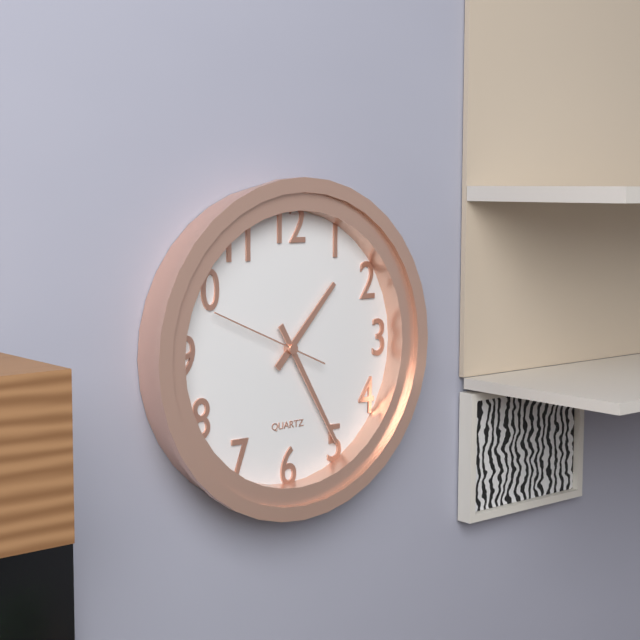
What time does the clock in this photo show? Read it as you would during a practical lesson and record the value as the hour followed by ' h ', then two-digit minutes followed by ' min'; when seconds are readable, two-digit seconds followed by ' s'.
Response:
1 h 25 min 49 s
